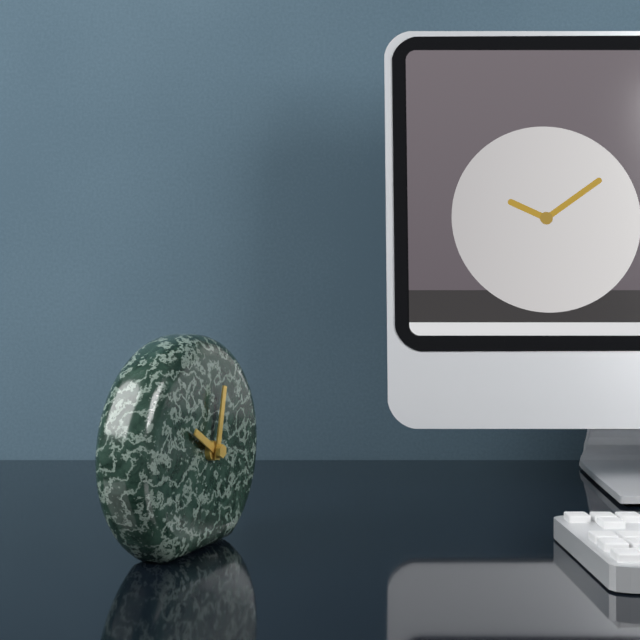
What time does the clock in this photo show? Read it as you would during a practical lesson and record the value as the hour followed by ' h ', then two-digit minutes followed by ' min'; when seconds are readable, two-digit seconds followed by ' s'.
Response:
10 h 02 min
